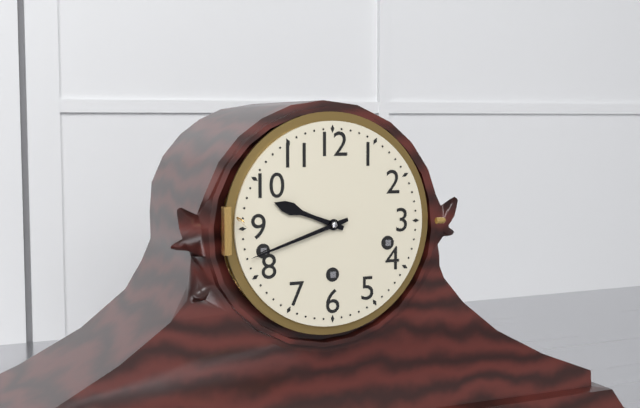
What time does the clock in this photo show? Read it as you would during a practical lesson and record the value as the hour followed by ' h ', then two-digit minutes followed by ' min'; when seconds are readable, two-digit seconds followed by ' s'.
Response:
9 h 42 min
